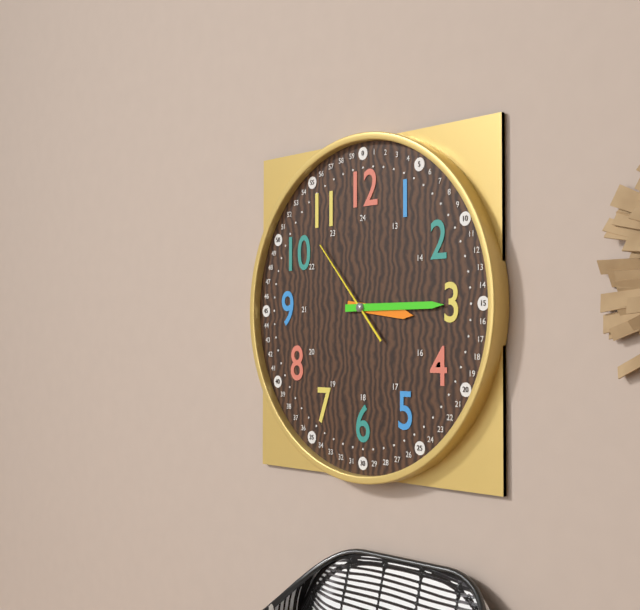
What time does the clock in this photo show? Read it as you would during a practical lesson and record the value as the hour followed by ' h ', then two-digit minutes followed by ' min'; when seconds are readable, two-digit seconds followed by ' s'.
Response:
3 h 15 min 53 s
